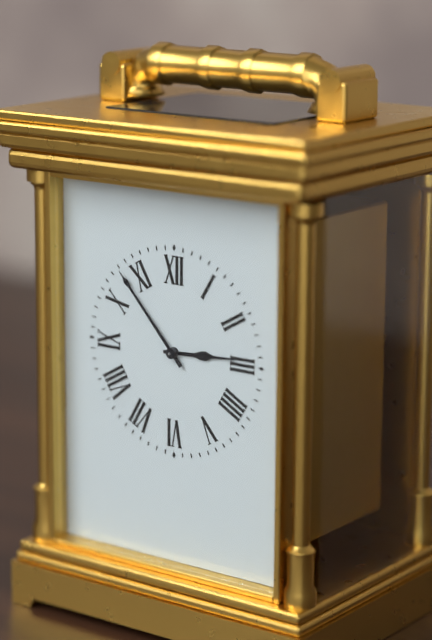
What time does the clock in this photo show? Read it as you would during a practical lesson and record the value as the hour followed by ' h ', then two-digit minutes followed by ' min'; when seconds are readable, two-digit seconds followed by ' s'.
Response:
2 h 53 min
